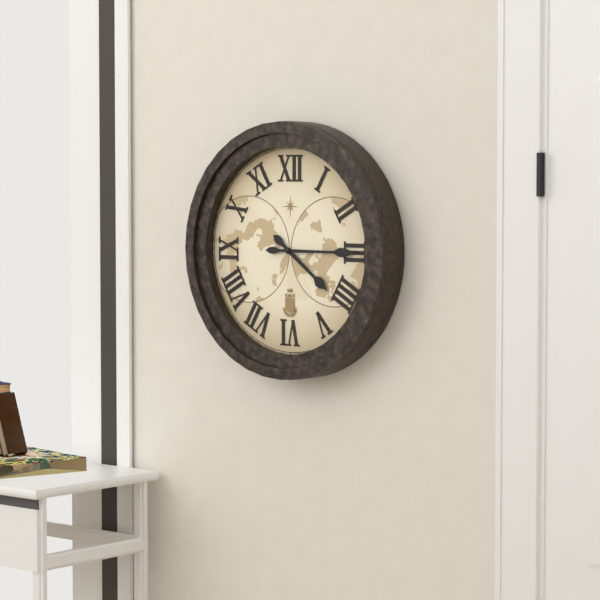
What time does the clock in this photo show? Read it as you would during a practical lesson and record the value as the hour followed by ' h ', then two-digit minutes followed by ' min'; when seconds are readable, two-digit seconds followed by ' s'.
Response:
4 h 15 min
